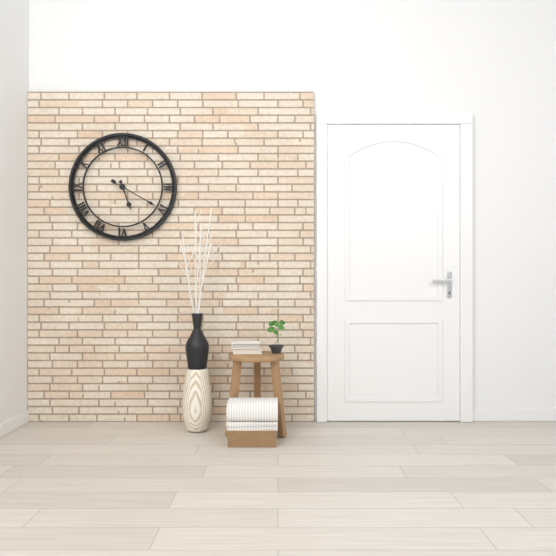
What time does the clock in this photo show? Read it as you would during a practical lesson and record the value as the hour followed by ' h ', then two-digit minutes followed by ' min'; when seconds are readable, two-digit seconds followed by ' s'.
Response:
5 h 20 min
